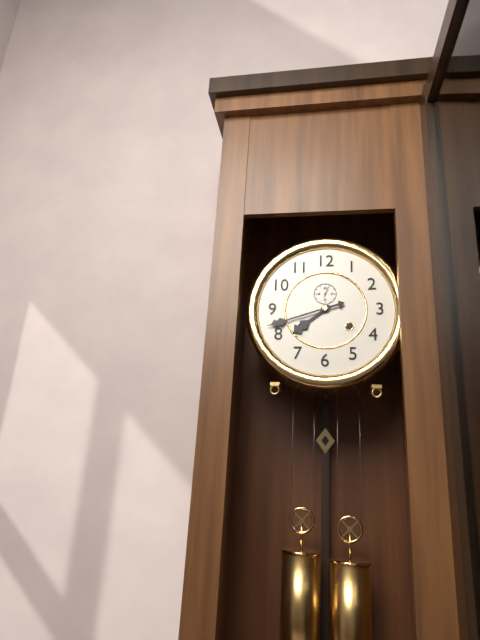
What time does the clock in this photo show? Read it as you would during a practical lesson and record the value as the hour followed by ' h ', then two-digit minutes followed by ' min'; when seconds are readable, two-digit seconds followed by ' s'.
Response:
7 h 42 min
